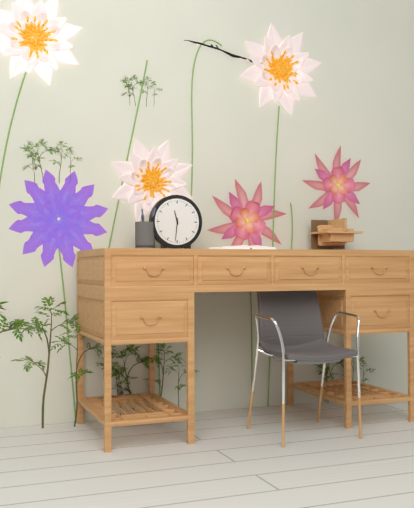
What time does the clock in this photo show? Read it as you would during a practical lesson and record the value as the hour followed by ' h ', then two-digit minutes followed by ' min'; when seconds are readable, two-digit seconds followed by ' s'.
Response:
11 h 31 min
